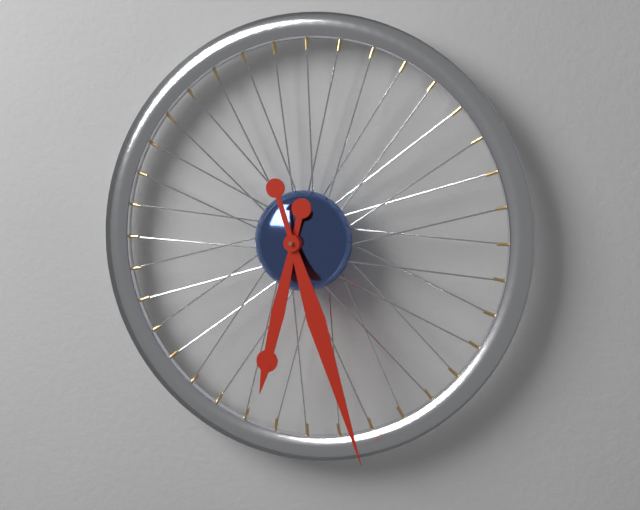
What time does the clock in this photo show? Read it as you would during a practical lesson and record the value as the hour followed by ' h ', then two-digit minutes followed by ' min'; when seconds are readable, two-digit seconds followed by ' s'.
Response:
6 h 27 min
